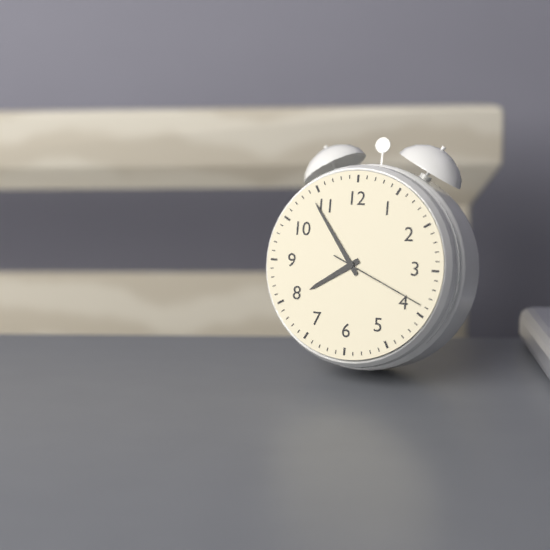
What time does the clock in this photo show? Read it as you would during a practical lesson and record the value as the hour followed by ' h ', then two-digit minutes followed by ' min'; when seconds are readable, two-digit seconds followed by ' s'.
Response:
7 h 54 min 19 s
